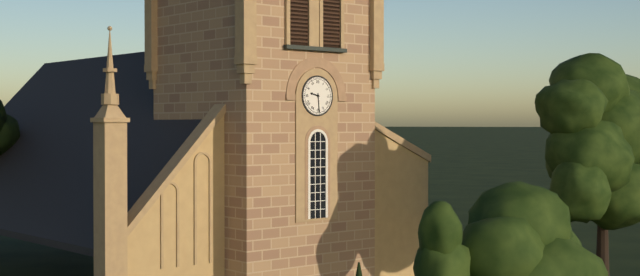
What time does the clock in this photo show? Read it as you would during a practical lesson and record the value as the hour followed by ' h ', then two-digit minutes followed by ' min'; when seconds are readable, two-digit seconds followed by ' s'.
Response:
9 h 29 min
